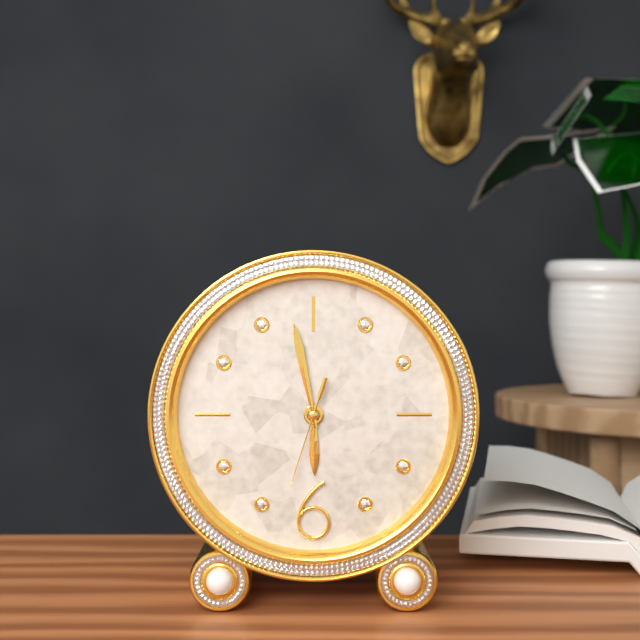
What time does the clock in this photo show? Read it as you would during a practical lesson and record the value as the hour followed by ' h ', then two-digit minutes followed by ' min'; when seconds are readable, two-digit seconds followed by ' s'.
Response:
5 h 58 min 33 s
